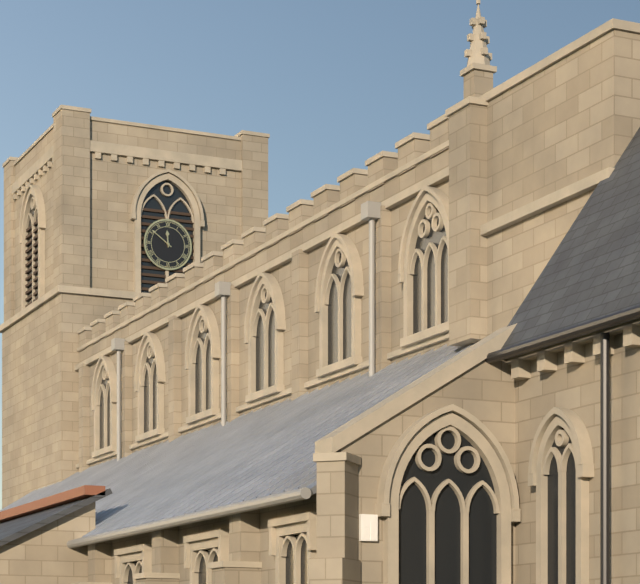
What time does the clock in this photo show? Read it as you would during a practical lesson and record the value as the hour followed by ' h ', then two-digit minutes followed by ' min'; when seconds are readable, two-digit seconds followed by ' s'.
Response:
11 h 51 min
